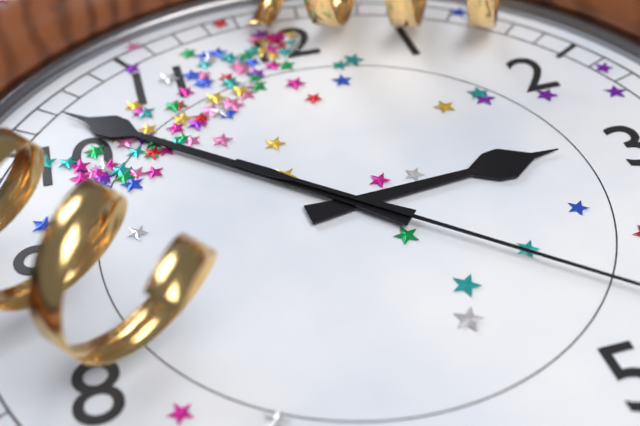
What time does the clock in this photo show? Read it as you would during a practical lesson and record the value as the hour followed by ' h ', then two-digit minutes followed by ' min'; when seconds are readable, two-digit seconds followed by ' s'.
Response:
2 h 52 min
